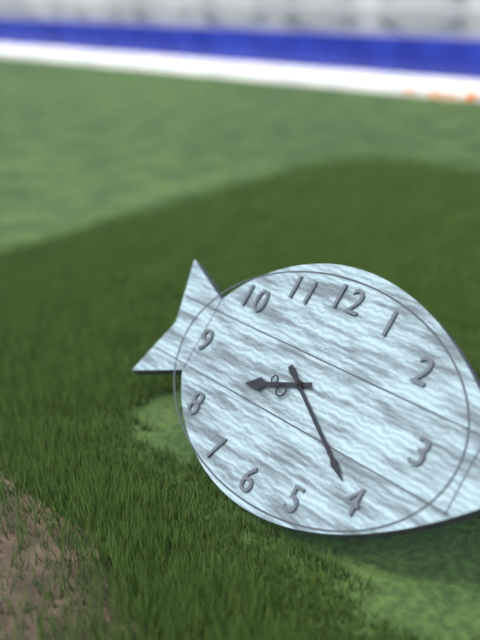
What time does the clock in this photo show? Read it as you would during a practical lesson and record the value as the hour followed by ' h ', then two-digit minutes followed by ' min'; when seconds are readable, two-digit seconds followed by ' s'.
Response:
8 h 20 min
